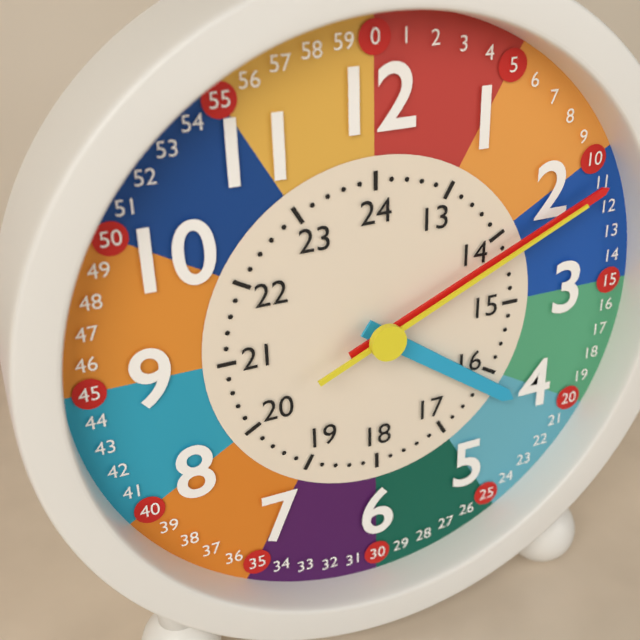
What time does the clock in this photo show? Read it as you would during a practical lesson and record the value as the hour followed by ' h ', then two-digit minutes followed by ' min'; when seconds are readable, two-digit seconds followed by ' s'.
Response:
4 h 11 min 11 s
